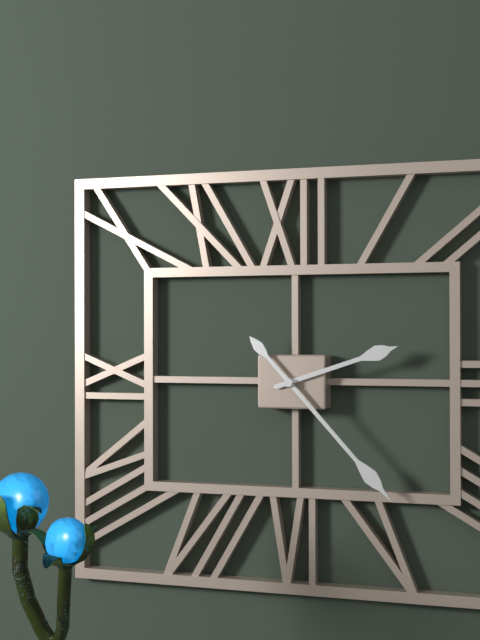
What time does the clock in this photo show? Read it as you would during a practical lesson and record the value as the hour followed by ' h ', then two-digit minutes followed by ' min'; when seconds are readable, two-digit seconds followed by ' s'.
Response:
2 h 23 min
